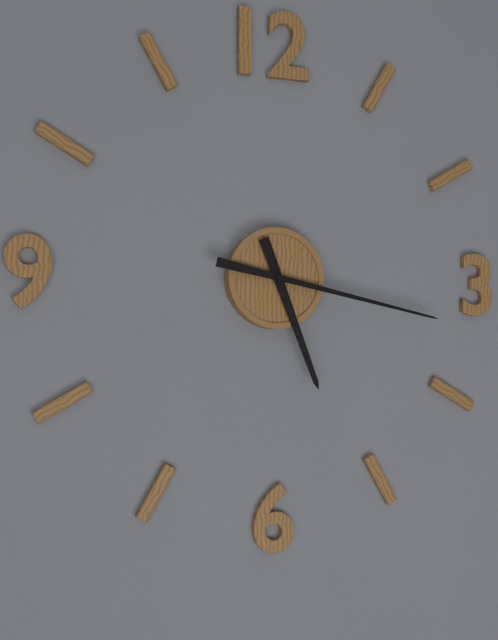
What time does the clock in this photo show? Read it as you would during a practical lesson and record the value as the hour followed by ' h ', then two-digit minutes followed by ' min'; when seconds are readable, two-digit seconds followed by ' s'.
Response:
5 h 17 min
